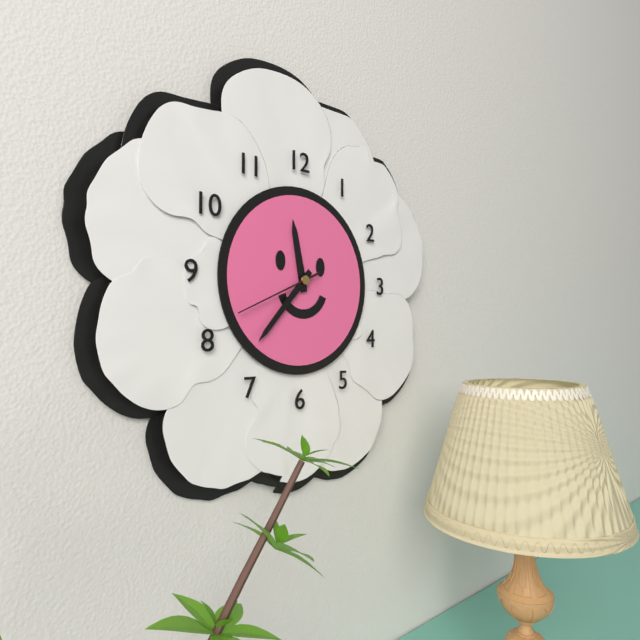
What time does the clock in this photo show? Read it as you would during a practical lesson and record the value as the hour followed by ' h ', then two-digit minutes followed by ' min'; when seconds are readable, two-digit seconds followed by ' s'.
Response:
11 h 37 min 41 s
